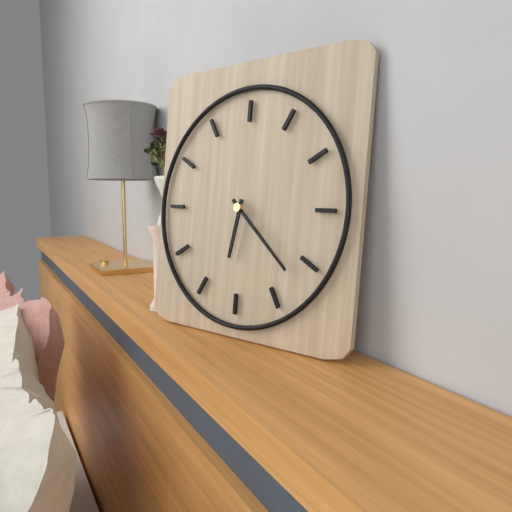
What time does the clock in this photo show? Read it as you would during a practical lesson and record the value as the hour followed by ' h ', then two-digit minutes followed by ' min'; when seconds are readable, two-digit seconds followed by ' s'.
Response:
6 h 22 min
